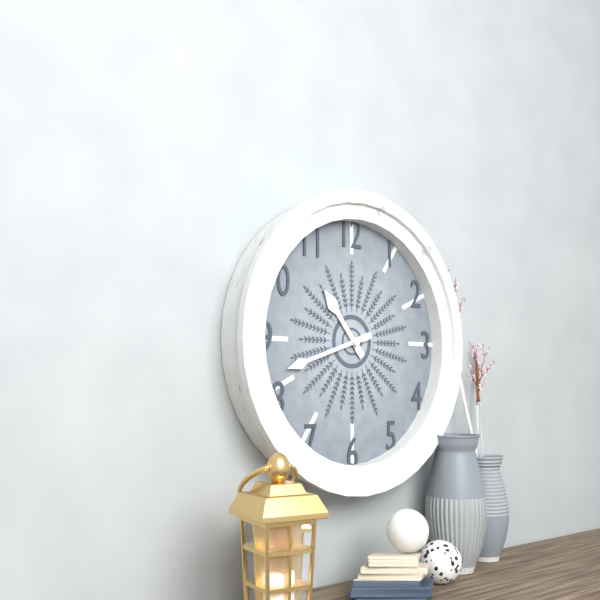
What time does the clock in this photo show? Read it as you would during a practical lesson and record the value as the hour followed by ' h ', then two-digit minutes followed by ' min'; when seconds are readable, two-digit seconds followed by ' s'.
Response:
10 h 42 min
